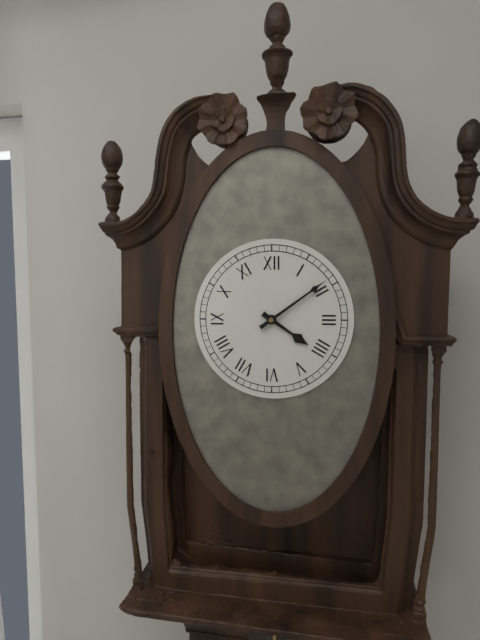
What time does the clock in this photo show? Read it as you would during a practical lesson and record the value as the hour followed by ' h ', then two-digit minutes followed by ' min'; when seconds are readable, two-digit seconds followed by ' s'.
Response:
4 h 09 min
